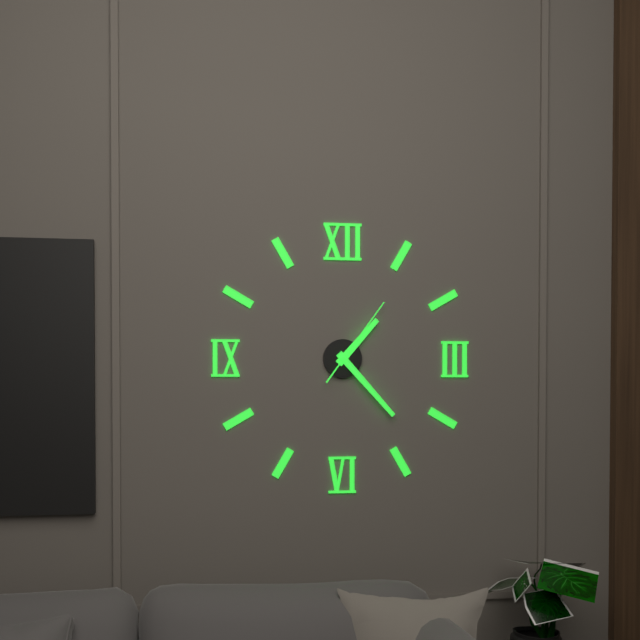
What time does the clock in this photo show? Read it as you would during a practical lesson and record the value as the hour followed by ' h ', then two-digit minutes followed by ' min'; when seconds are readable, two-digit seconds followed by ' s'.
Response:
1 h 23 min 06 s
